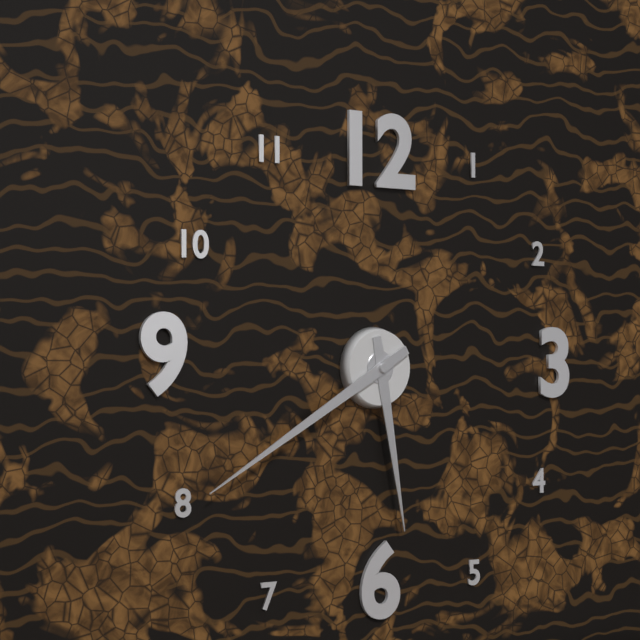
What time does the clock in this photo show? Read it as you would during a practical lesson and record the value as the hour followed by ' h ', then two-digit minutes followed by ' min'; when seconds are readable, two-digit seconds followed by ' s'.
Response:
5 h 40 min
